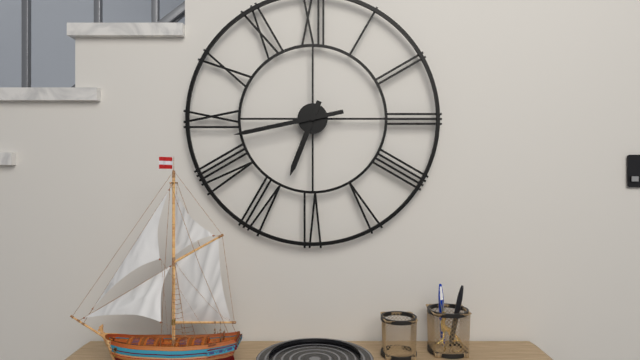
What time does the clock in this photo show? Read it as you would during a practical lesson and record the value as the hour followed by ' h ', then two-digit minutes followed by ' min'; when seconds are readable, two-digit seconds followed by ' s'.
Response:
6 h 43 min
